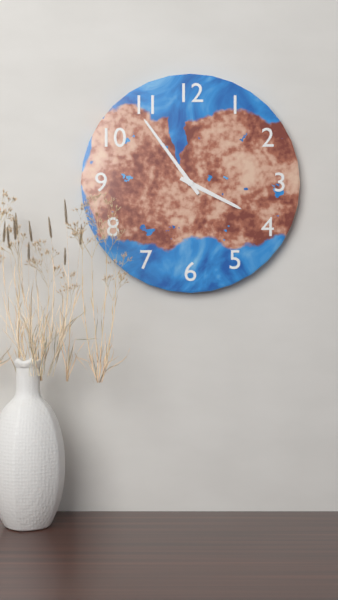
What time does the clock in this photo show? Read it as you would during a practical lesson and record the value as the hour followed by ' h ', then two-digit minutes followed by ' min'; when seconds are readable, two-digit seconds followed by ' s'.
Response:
3 h 54 min
